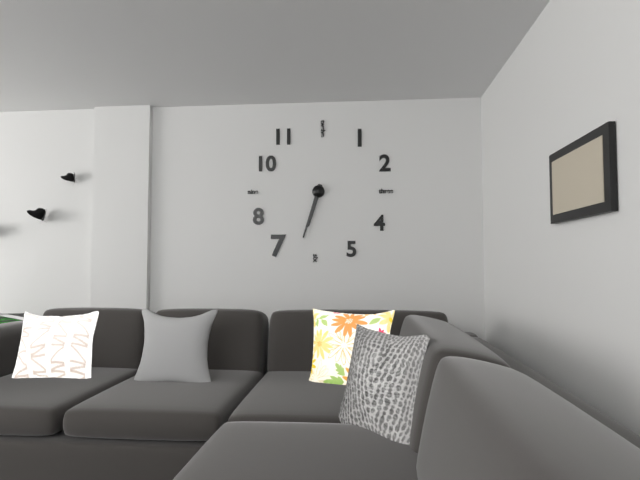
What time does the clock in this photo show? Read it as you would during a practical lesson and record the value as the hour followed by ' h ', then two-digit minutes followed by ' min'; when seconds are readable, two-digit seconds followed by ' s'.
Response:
6 h 33 min
